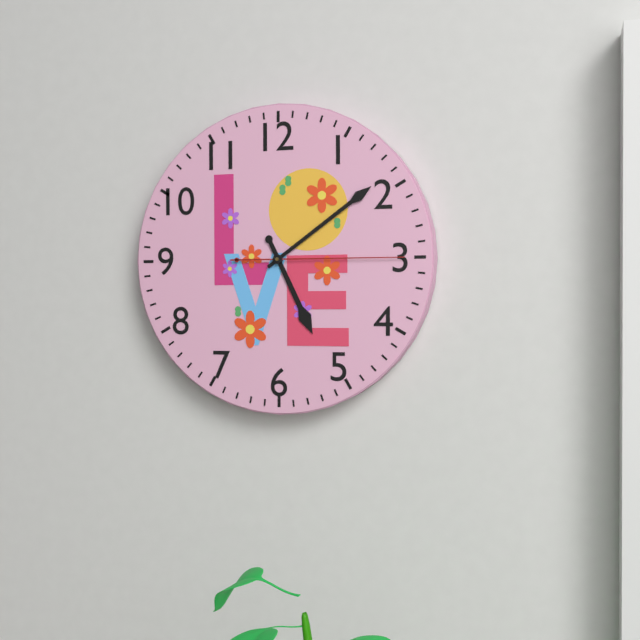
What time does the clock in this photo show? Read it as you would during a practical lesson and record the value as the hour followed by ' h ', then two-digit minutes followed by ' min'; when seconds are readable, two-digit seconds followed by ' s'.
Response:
5 h 09 min 15 s
